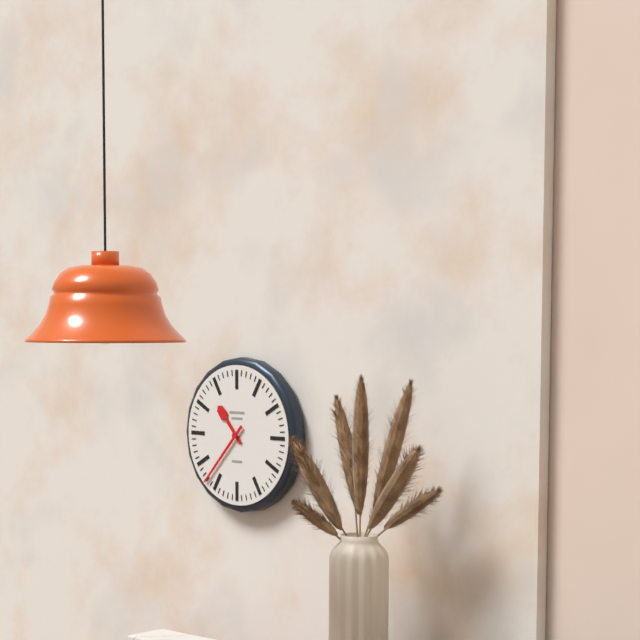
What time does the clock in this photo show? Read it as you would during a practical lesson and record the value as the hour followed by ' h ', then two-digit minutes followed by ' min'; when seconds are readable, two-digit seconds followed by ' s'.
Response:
10 h 37 min
